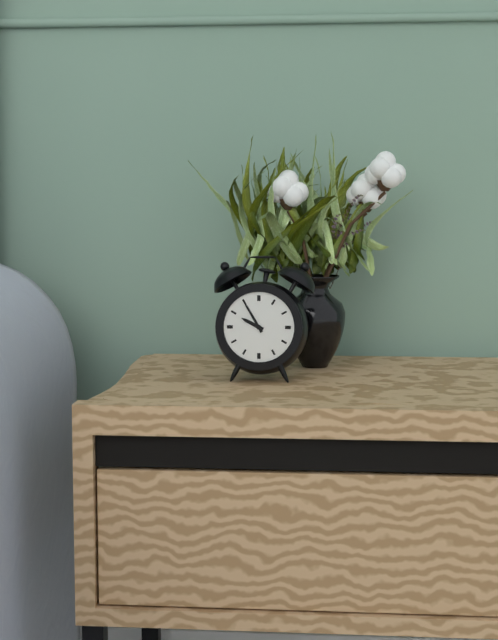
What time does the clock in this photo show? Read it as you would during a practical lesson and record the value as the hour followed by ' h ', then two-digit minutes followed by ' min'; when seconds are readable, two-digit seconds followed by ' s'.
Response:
9 h 55 min
